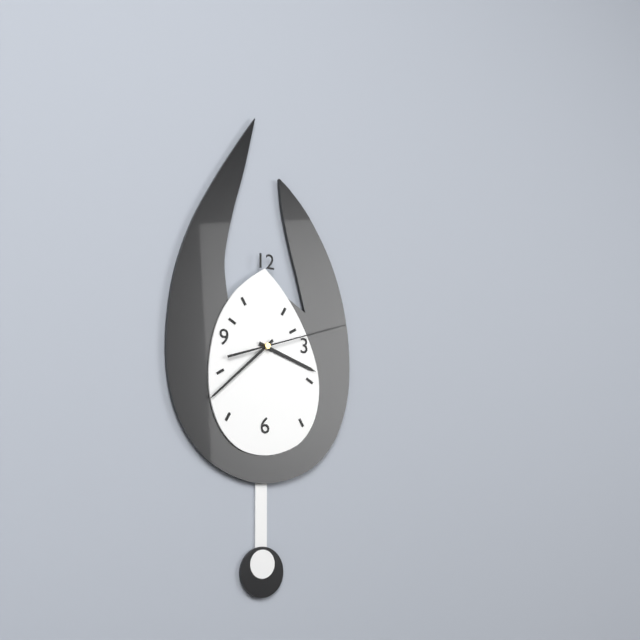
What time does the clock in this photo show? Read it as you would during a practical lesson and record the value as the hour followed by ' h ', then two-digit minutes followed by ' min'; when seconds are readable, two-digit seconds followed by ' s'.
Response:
3 h 38 min 12 s
